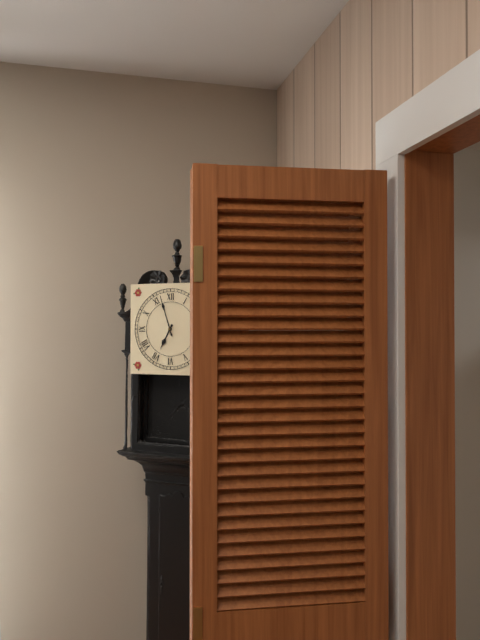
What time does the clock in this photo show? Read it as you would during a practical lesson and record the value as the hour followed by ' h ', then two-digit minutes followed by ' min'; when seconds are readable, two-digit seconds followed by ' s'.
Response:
6 h 57 min
